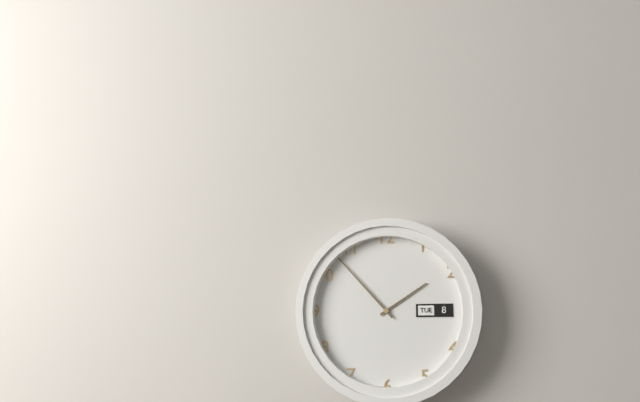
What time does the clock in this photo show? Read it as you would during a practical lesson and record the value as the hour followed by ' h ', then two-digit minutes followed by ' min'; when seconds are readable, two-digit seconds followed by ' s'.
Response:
1 h 53 min
